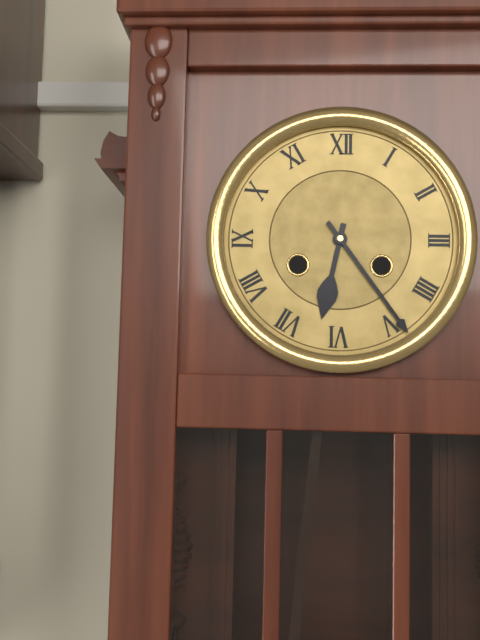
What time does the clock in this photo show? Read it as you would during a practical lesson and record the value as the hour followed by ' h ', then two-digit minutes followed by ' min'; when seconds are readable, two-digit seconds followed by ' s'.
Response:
6 h 24 min
